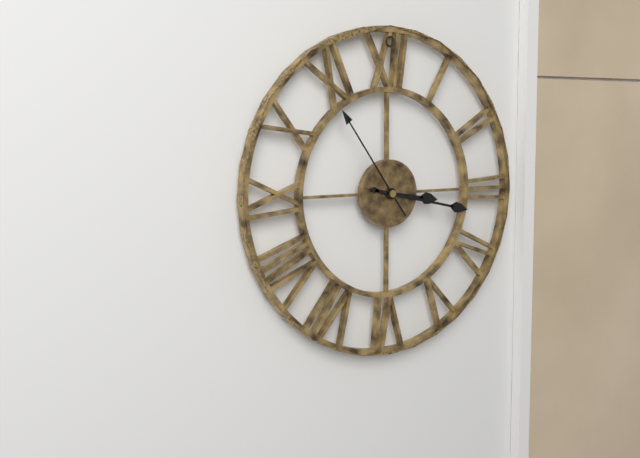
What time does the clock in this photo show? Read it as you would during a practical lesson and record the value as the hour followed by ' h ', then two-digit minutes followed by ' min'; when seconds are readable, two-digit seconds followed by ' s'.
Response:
3 h 17 min 54 s
